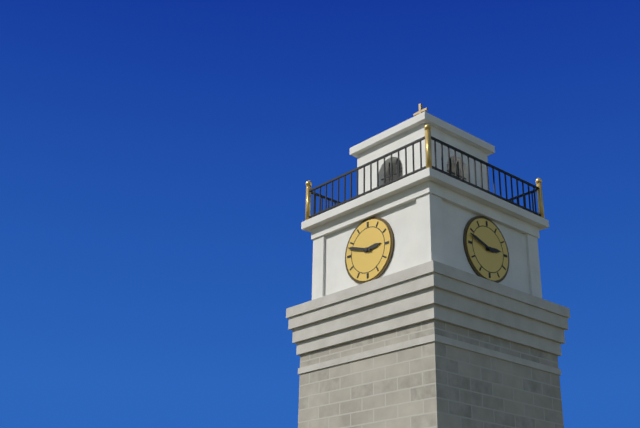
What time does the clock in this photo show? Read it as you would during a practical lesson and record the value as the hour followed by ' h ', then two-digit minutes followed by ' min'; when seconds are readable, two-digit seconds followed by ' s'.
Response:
2 h 48 min
